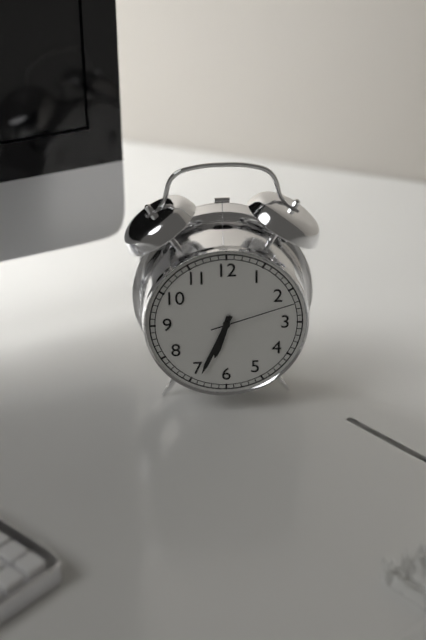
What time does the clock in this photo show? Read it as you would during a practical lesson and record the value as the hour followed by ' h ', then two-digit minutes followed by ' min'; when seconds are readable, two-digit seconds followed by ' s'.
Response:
6 h 34 min 12 s
